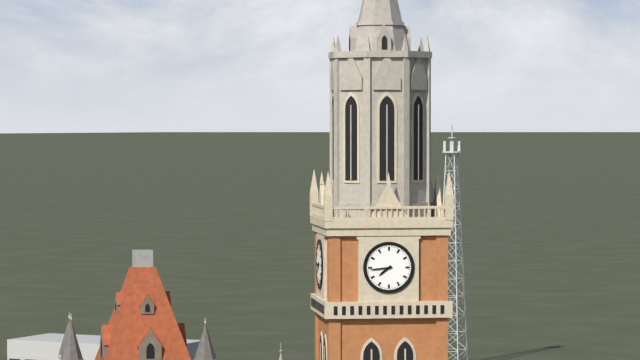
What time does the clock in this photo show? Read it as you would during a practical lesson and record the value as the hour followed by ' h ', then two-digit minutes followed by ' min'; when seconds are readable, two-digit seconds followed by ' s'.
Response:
7 h 44 min
